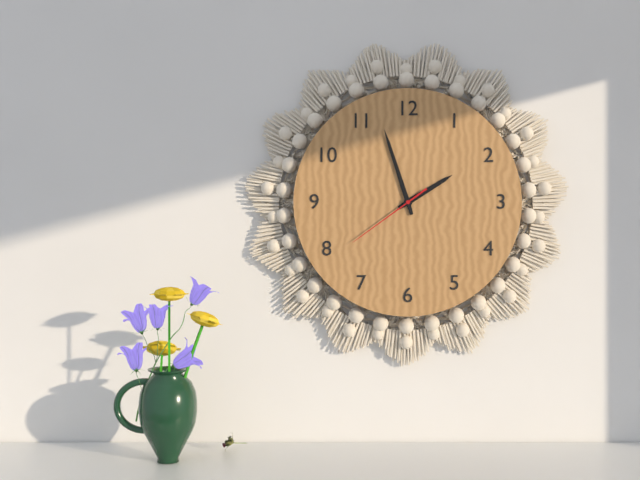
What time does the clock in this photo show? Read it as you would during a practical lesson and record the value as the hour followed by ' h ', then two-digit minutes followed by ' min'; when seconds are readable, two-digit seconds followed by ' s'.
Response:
1 h 57 min 39 s
